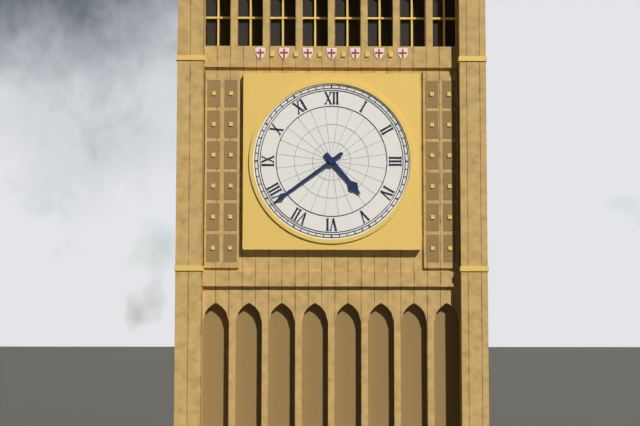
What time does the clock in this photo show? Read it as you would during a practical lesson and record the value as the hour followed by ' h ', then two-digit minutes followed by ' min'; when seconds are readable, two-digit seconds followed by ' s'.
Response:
4 h 39 min
